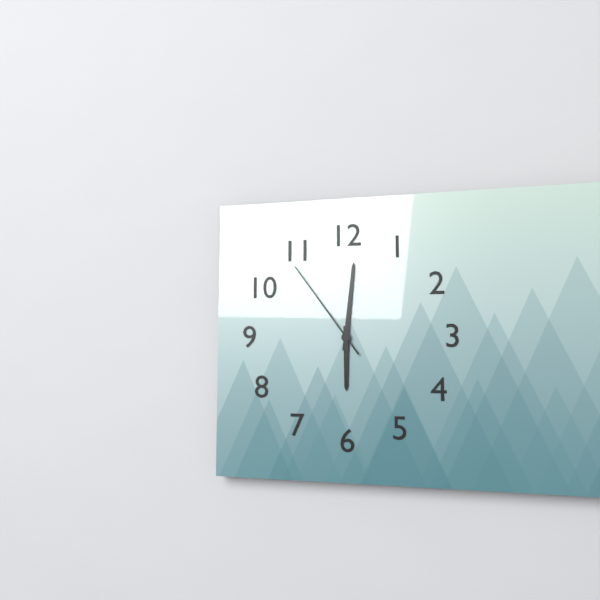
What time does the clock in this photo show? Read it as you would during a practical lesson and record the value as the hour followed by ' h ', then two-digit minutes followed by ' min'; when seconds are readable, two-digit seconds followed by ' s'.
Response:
6 h 01 min 54 s
